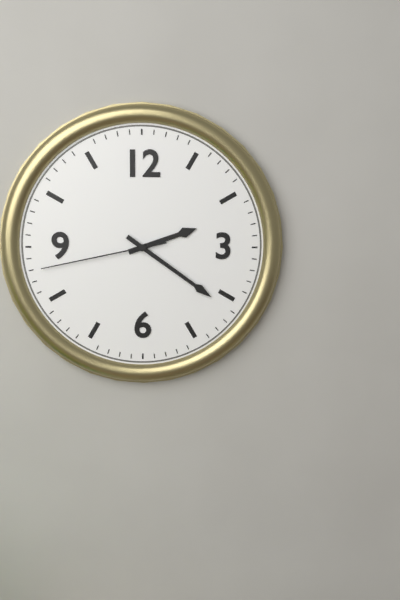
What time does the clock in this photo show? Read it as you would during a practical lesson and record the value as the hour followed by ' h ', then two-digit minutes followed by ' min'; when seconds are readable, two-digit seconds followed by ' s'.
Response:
2 h 21 min 43 s
